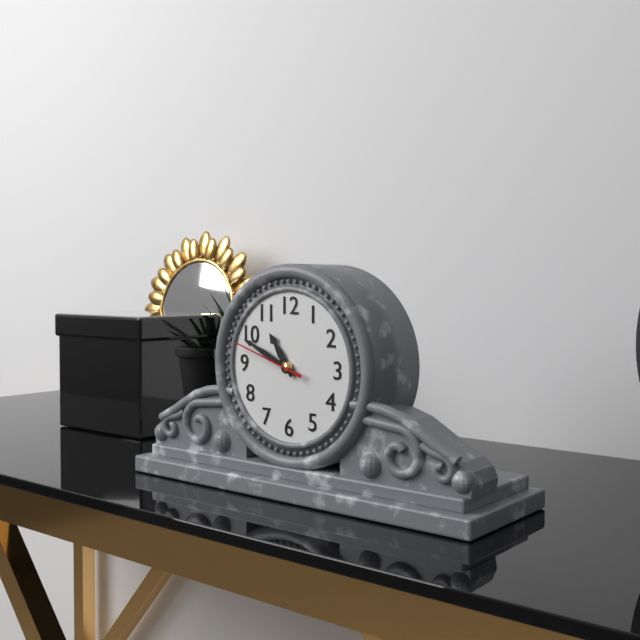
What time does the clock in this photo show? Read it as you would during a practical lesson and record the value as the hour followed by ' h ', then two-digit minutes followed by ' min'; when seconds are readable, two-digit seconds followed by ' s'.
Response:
10 h 49 min 48 s
